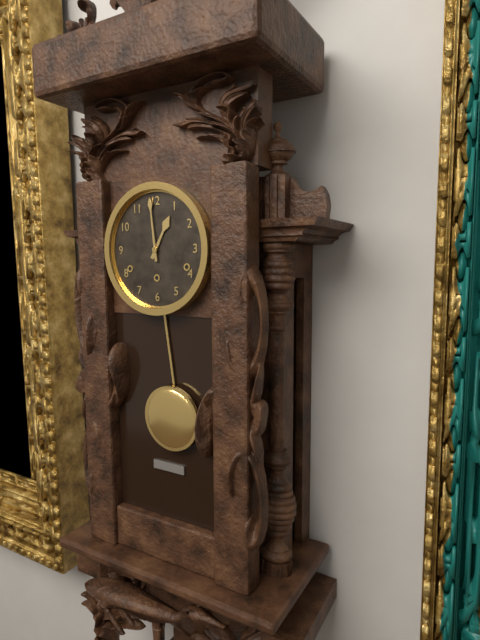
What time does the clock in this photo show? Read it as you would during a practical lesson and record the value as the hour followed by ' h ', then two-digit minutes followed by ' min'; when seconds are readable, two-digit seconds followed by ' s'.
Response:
12 h 59 min
